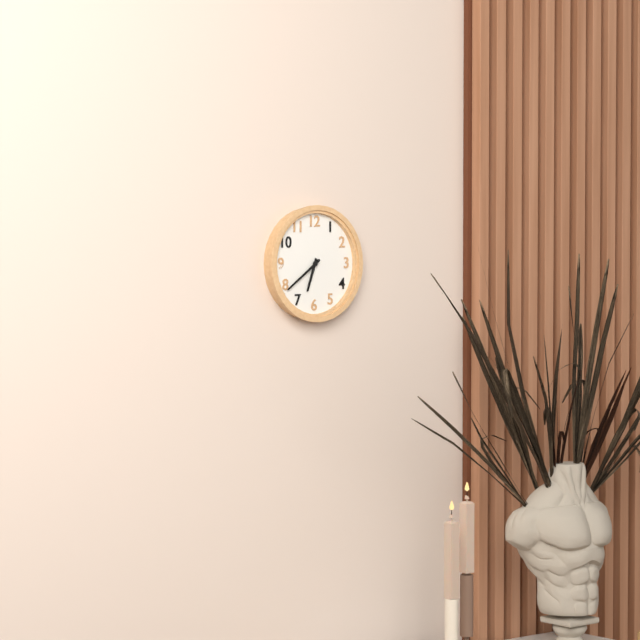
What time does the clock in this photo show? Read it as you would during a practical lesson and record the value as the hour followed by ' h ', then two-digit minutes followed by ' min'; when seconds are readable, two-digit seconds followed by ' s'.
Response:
6 h 39 min
